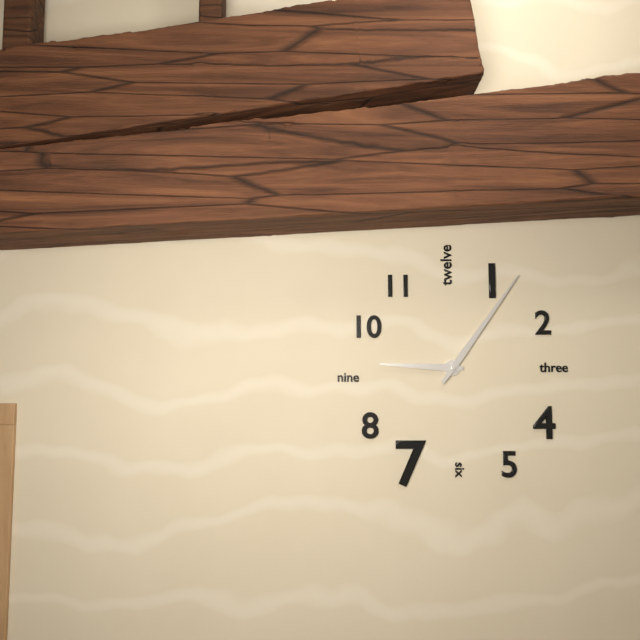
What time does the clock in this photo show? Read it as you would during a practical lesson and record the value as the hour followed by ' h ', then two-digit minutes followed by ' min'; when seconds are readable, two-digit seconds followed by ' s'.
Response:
9 h 06 min
